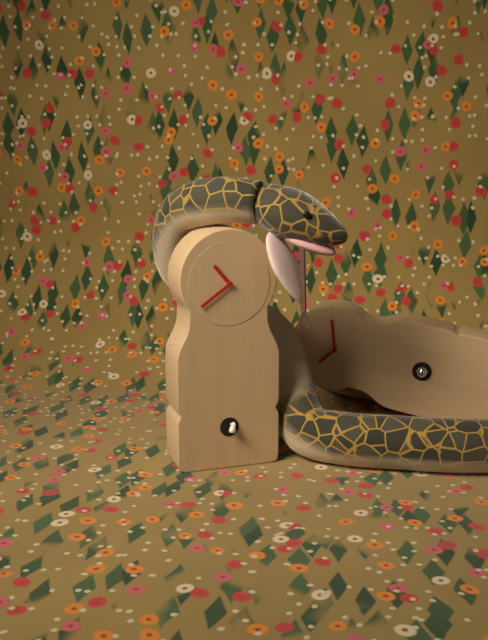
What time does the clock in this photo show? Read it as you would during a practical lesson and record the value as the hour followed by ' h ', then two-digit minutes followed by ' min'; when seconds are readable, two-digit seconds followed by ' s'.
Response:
10 h 39 min
